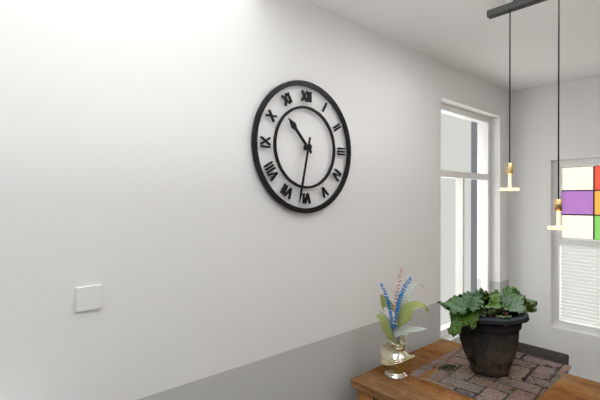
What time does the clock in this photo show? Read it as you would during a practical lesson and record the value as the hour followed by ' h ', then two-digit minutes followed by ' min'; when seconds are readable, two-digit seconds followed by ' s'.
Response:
10 h 32 min
